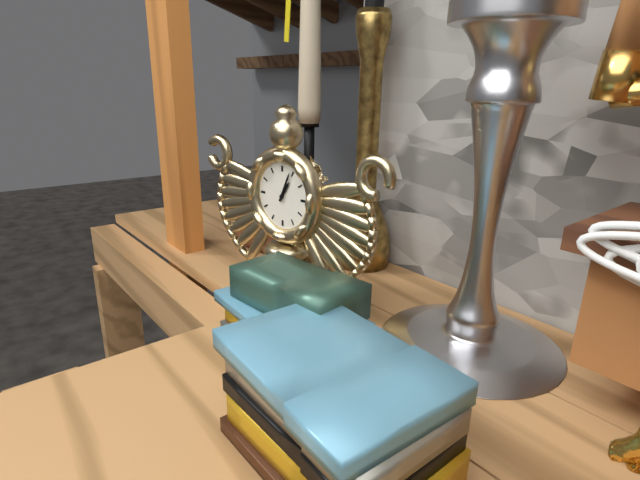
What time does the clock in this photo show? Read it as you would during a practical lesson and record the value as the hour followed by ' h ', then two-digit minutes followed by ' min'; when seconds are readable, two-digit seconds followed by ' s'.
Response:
1 h 04 min
